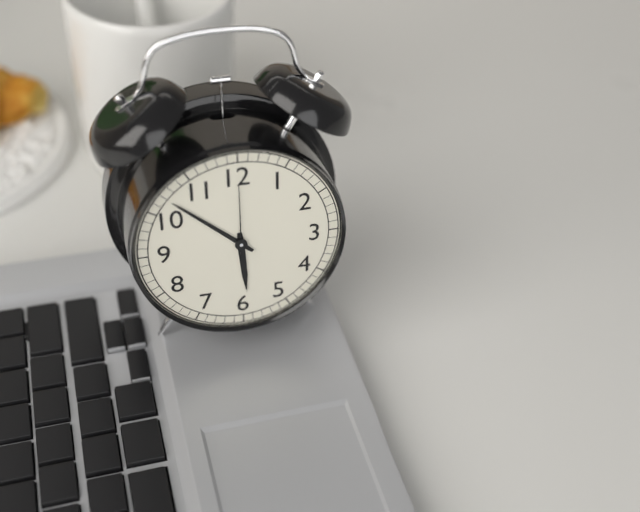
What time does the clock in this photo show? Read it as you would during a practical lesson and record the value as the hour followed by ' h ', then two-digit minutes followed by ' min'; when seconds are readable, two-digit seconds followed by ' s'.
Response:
5 h 52 min 00 s
